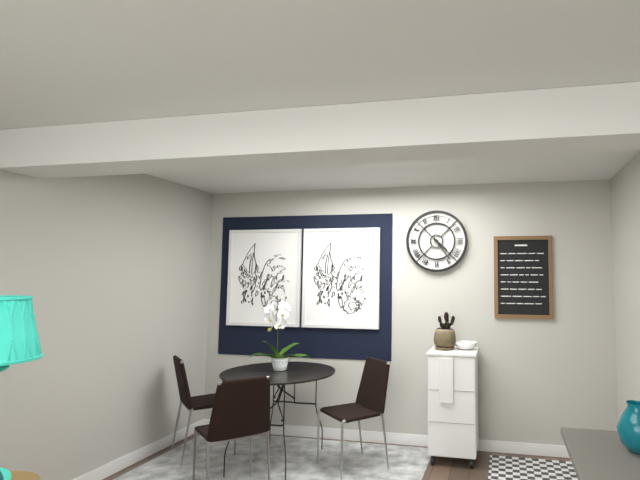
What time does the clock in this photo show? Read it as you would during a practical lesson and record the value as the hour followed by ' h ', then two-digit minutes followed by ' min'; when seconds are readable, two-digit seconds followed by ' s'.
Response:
4 h 24 min
